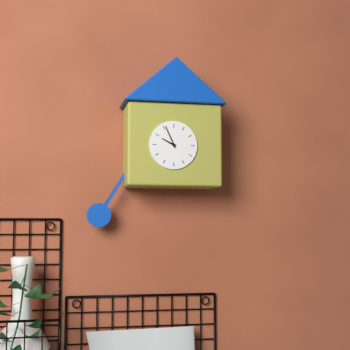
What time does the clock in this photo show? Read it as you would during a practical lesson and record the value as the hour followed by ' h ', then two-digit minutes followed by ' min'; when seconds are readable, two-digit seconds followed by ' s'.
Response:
9 h 56 min
